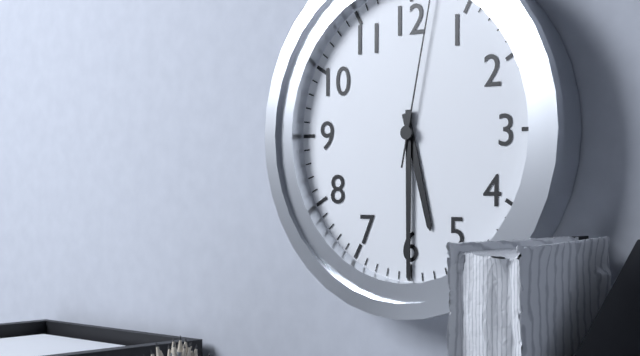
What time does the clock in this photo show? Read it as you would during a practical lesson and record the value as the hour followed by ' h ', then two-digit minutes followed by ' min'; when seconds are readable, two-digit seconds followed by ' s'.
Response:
5 h 30 min
